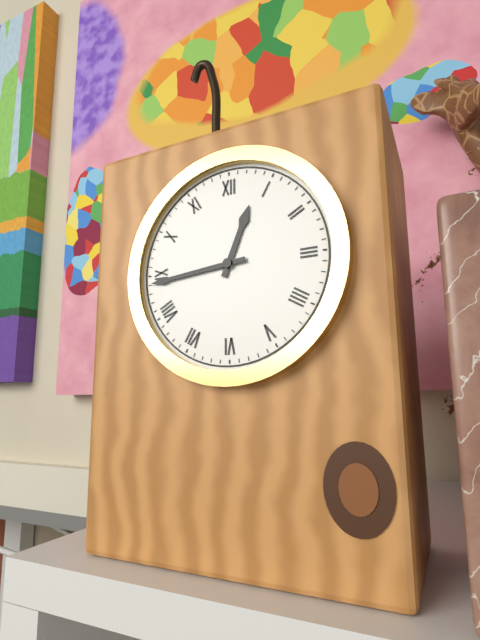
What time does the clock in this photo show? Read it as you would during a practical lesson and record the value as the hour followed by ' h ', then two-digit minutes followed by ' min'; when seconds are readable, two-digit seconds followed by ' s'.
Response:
12 h 44 min
